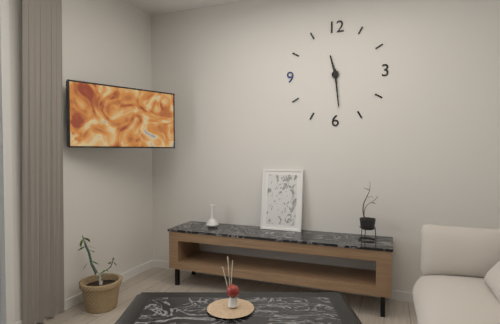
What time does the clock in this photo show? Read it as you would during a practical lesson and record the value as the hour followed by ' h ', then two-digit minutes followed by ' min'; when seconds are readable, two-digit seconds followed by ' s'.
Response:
11 h 29 min
